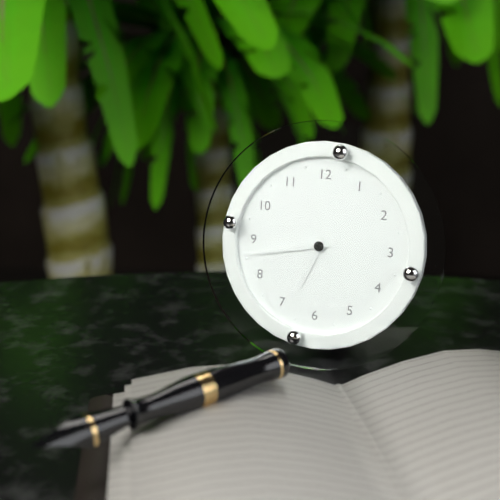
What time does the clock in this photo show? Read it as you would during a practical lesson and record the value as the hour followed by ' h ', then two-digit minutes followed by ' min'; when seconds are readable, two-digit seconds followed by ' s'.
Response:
6 h 43 min
